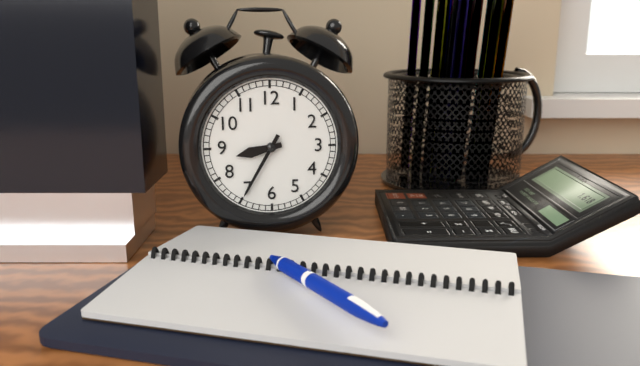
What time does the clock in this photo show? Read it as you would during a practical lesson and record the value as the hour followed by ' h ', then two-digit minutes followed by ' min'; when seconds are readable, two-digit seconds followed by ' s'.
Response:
8 h 35 min
